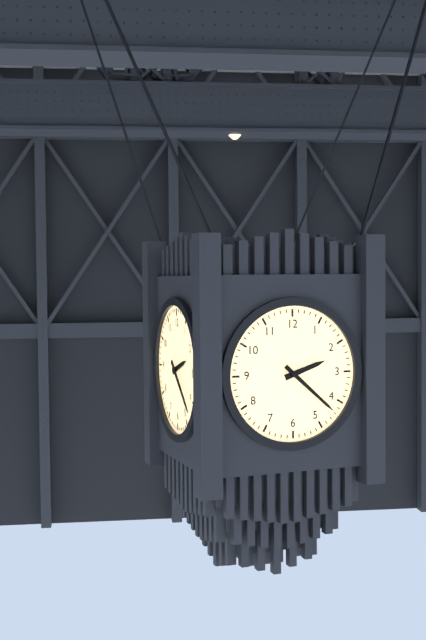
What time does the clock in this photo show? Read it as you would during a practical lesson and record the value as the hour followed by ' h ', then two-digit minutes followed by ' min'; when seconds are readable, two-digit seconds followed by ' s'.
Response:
2 h 22 min
